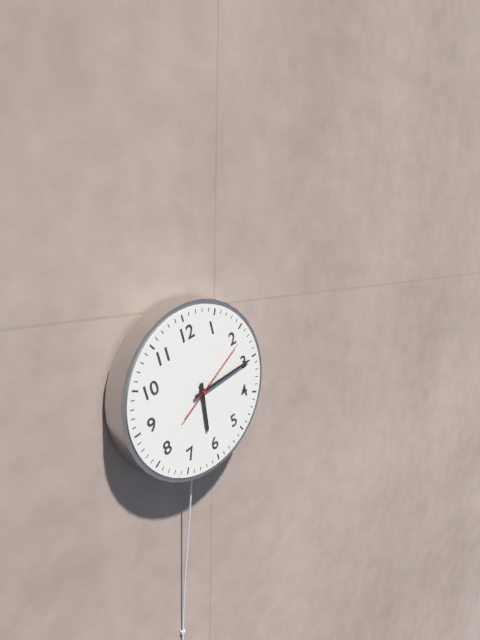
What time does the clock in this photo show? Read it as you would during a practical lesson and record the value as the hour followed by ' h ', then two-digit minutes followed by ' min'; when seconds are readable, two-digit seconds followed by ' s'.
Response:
6 h 15 min 11 s
